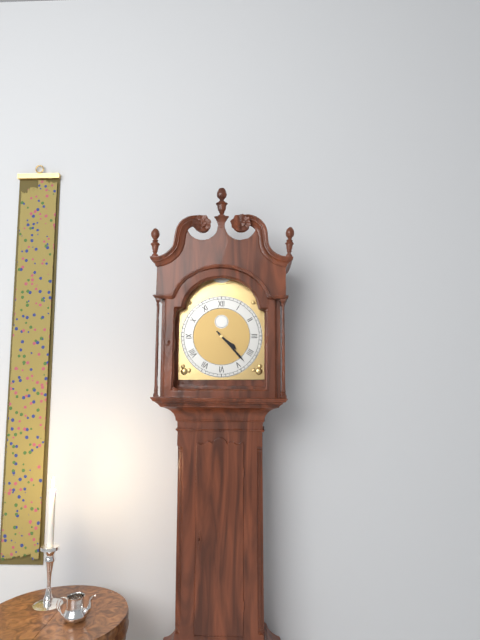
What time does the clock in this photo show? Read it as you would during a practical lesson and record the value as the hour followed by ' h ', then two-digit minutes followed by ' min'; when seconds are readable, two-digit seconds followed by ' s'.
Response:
4 h 23 min
